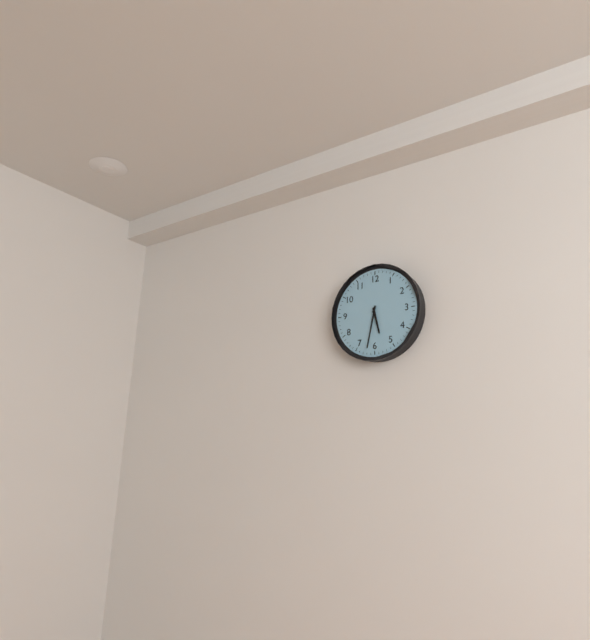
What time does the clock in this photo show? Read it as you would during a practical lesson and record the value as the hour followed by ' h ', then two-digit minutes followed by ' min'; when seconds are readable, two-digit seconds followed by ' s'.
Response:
5 h 32 min
